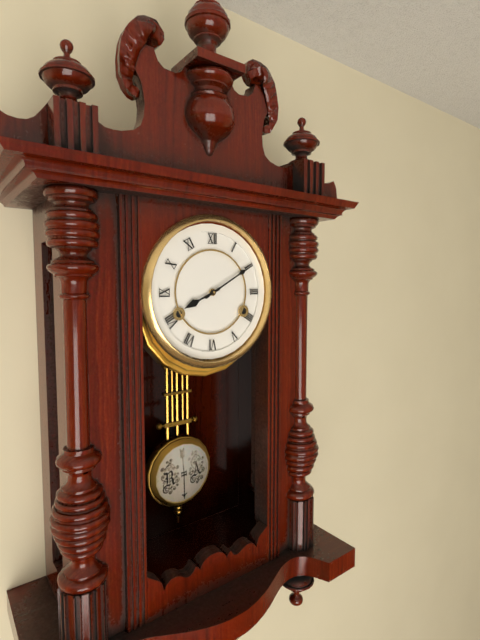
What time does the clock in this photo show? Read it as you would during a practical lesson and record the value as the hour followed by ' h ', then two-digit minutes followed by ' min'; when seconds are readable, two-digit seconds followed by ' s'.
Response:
8 h 10 min
